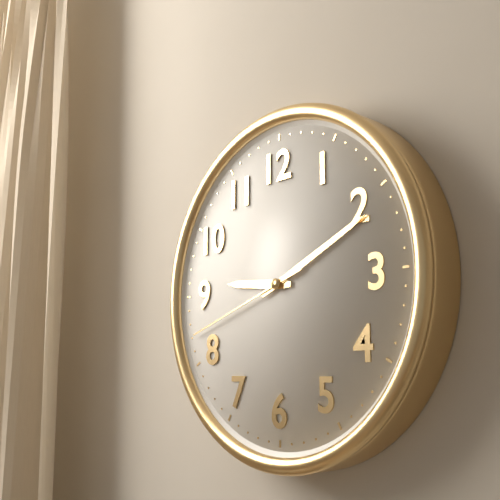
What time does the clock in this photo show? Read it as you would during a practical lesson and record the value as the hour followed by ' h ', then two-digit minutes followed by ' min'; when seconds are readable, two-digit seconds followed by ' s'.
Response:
9 h 11 min 42 s
